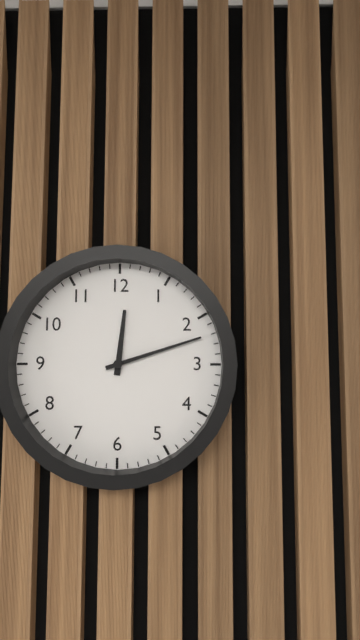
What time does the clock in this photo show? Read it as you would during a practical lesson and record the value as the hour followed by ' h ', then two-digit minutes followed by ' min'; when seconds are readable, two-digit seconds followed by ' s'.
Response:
12 h 12 min
